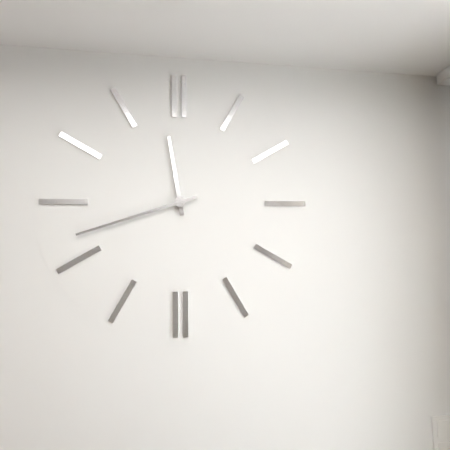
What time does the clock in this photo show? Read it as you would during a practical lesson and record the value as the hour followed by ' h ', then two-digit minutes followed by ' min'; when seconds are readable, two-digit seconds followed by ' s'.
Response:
11 h 42 min
